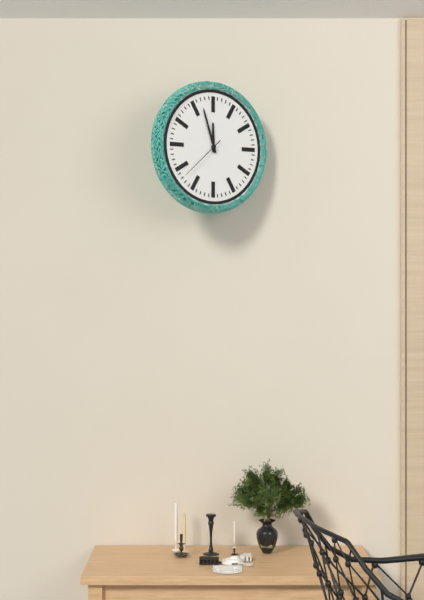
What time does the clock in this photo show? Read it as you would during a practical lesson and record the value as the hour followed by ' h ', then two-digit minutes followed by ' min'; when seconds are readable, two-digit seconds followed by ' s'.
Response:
11 h 57 min 38 s
